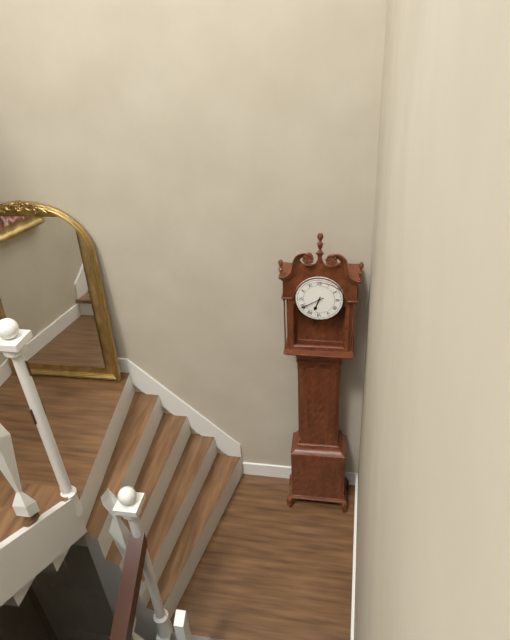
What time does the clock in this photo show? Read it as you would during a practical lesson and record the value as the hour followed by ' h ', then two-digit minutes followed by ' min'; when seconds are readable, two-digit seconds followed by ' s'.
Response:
6 h 40 min
